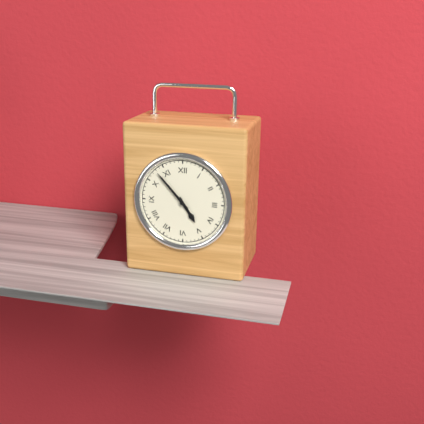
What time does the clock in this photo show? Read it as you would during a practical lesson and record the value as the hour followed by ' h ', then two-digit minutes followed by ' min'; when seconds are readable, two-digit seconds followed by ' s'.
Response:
4 h 53 min
